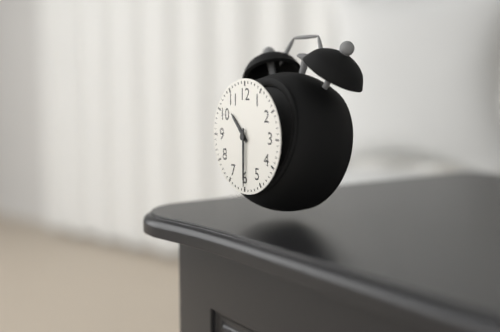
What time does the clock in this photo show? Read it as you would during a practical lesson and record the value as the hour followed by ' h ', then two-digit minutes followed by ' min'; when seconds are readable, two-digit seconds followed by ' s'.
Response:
10 h 30 min
